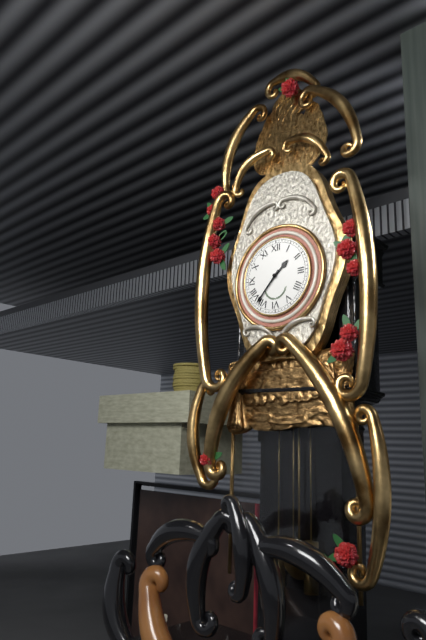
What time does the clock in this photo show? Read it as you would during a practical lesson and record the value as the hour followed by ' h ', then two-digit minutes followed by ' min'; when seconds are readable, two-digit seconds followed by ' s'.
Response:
1 h 37 min
